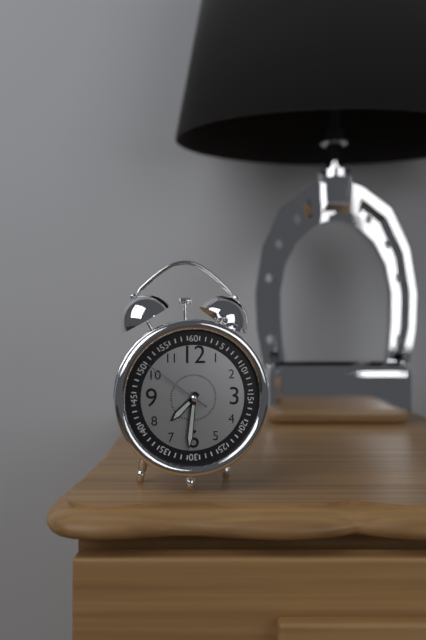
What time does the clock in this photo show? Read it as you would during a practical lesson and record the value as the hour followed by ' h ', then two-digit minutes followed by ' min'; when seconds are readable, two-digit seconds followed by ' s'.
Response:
7 h 31 min 51 s
